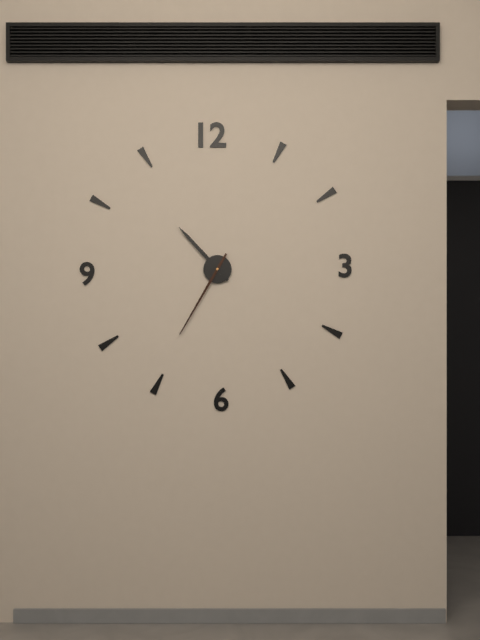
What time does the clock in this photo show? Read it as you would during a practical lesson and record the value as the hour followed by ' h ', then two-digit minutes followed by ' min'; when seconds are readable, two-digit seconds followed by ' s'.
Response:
10 h 35 min
